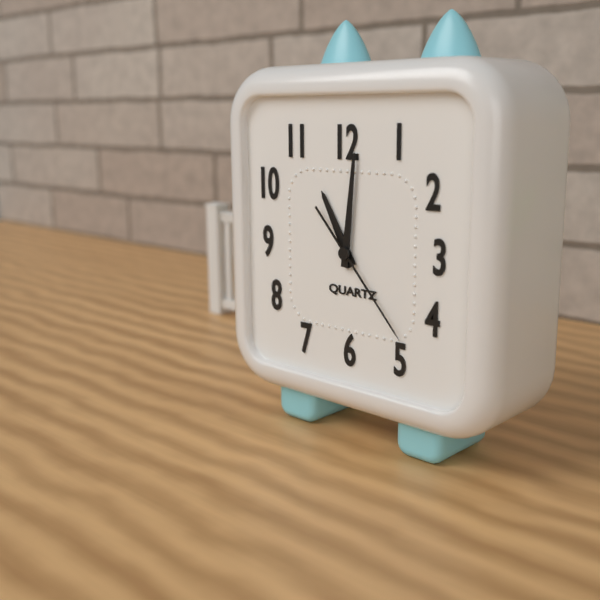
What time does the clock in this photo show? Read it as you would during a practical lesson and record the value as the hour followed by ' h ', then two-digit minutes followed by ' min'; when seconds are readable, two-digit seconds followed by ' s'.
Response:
11 h 01 min 23 s
